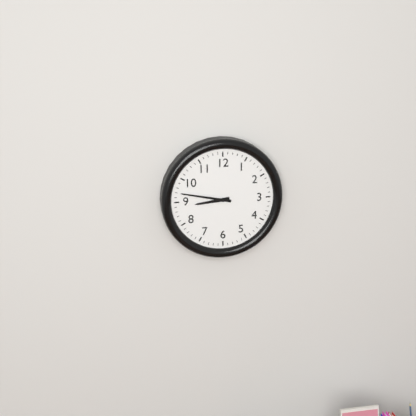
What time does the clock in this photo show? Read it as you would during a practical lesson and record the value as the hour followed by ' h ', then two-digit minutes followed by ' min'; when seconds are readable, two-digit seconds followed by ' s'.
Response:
8 h 47 min
